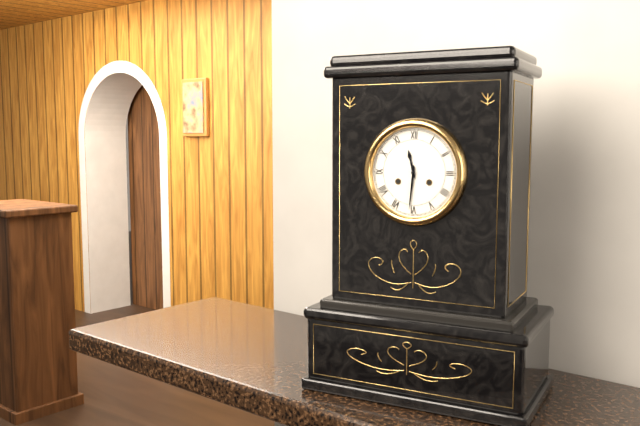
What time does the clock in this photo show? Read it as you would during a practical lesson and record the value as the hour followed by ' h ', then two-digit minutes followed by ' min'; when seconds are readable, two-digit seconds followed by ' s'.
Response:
11 h 31 min
